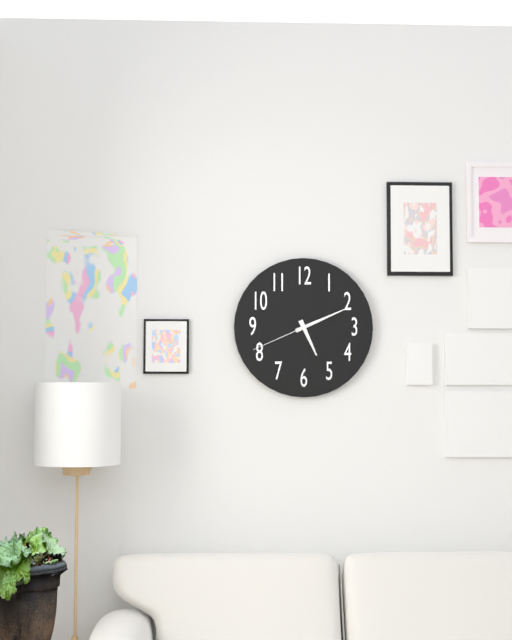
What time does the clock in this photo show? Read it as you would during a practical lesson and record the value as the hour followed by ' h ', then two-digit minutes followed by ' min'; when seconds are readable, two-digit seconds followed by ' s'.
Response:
5 h 11 min 41 s
